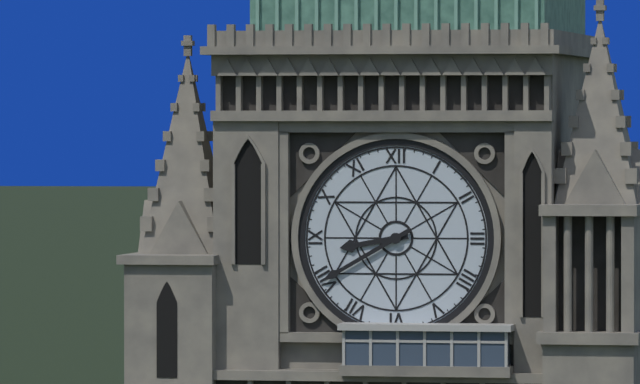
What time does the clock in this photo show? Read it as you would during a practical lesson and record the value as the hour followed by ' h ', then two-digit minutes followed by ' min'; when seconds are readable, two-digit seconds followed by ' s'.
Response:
8 h 40 min
